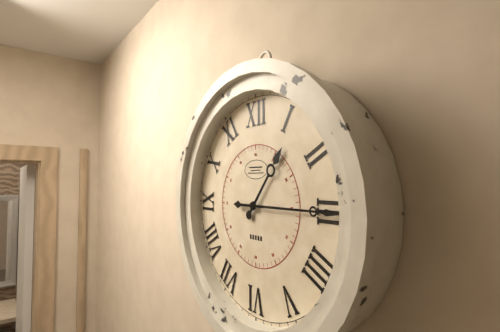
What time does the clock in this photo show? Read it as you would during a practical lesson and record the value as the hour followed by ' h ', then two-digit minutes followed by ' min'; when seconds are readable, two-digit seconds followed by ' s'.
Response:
1 h 15 min
